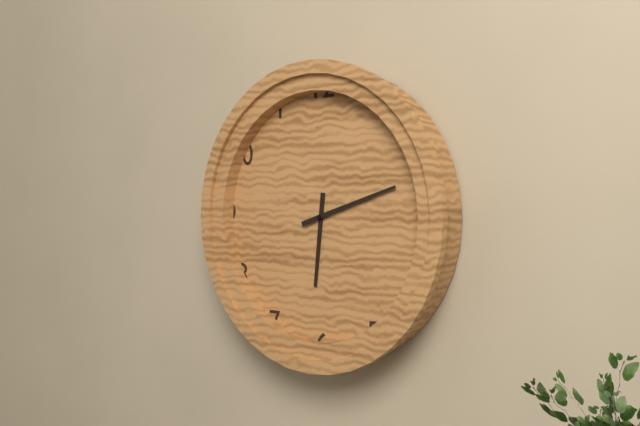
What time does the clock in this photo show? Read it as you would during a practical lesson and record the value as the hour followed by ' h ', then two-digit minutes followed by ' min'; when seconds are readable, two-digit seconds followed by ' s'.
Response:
6 h 12 min
